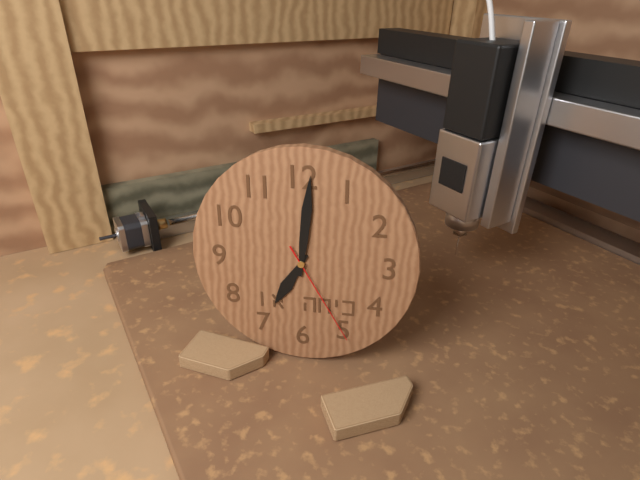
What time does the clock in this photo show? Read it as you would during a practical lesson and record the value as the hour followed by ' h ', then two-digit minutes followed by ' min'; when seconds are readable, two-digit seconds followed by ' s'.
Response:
7 h 01 min 25 s
